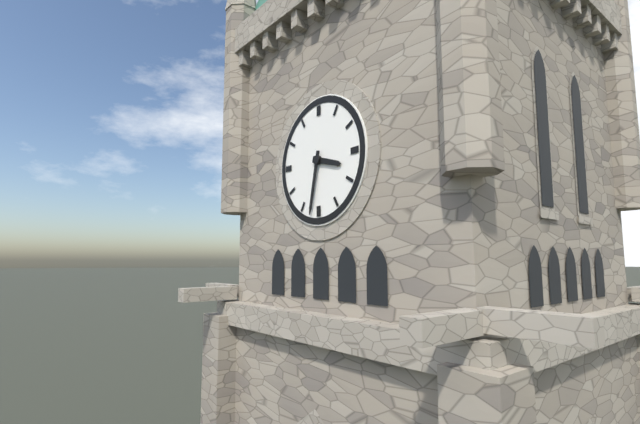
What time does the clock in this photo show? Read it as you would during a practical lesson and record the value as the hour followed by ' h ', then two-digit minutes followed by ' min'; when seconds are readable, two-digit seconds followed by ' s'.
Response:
3 h 32 min
